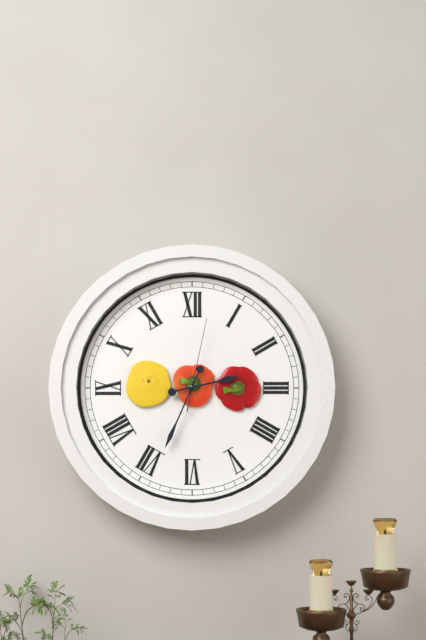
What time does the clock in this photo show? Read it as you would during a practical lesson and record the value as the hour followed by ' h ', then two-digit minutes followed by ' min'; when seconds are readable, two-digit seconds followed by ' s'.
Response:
2 h 34 min 02 s
